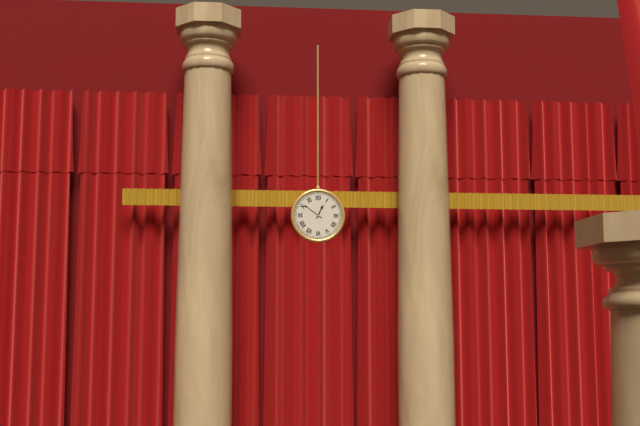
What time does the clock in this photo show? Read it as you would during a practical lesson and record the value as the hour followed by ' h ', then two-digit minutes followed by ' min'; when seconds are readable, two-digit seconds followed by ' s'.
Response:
12 h 51 min
